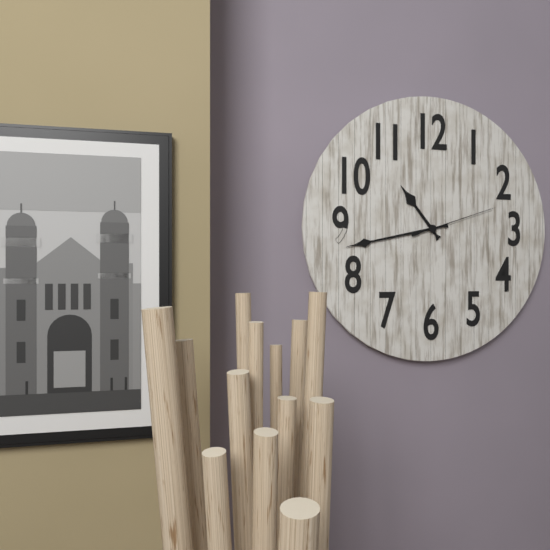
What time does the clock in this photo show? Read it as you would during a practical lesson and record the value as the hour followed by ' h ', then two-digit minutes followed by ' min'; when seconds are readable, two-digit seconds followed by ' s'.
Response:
10 h 43 min 12 s
